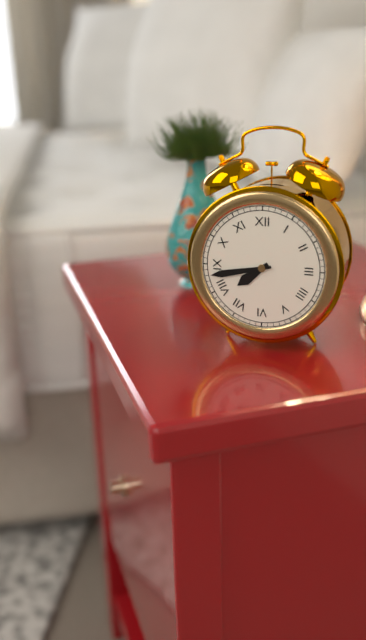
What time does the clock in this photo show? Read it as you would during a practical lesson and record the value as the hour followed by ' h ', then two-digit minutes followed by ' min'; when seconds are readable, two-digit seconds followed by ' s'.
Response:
7 h 43 min
